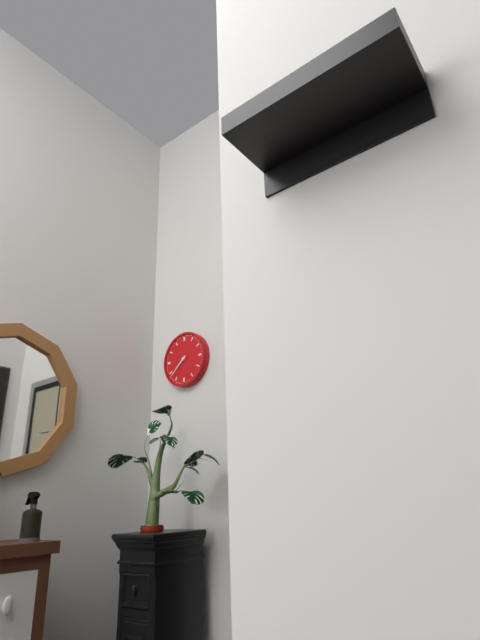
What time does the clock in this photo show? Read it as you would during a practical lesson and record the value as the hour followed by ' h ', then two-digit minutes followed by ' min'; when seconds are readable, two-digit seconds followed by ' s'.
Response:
7 h 38 min
